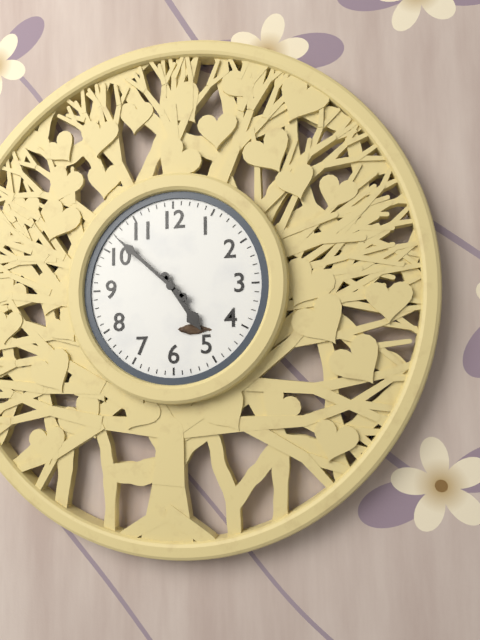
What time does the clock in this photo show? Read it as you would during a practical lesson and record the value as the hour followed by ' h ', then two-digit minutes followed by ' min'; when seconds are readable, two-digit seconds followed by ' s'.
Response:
4 h 52 min
